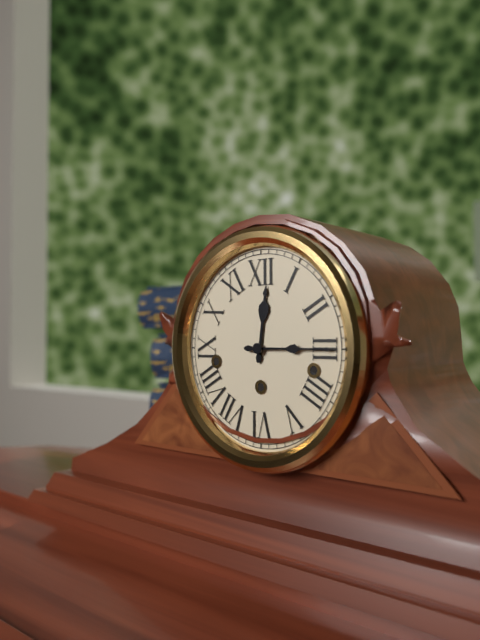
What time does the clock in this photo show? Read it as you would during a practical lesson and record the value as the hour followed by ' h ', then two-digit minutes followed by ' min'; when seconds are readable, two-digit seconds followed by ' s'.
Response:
12 h 15 min
